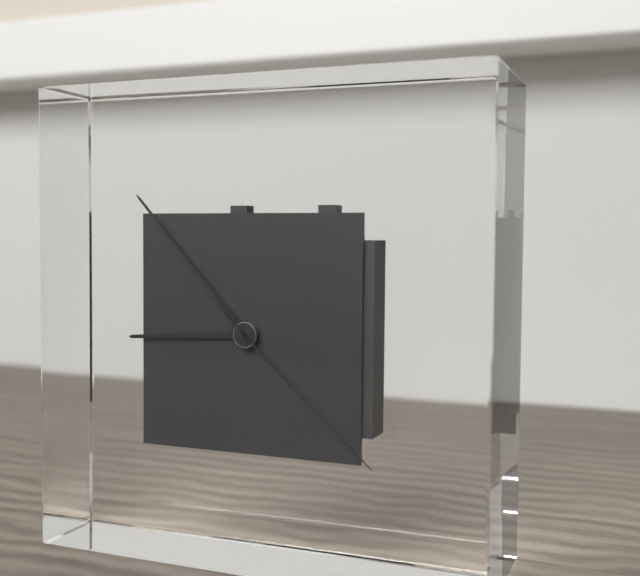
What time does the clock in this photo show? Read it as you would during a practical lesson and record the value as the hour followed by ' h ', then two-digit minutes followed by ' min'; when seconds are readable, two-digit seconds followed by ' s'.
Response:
8 h 53 min 22 s
